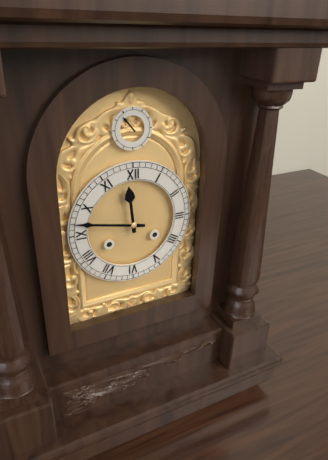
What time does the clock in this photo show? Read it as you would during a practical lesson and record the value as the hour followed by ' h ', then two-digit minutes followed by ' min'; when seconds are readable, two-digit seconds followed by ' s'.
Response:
11 h 47 min
